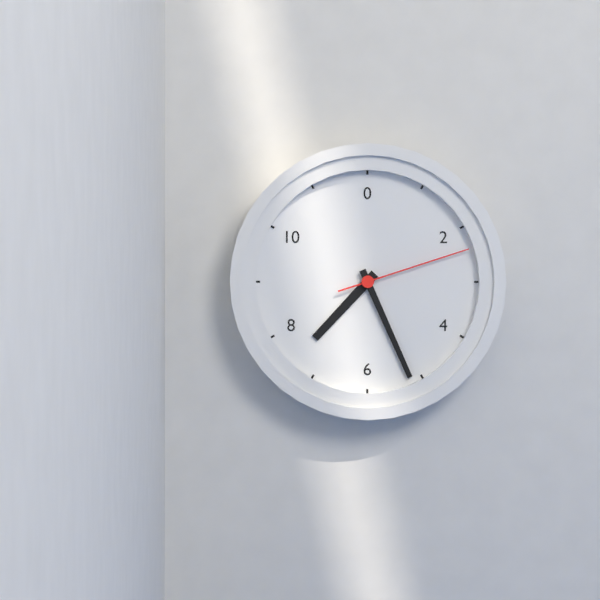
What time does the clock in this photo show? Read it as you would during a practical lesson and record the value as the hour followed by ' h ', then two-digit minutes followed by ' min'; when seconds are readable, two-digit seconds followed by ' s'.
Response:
7 h 26 min 12 s
